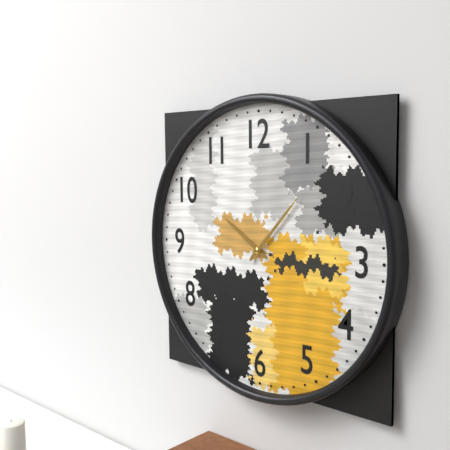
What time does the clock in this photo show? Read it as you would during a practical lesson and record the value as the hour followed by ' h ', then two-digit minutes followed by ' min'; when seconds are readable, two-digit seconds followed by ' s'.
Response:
10 h 07 min
